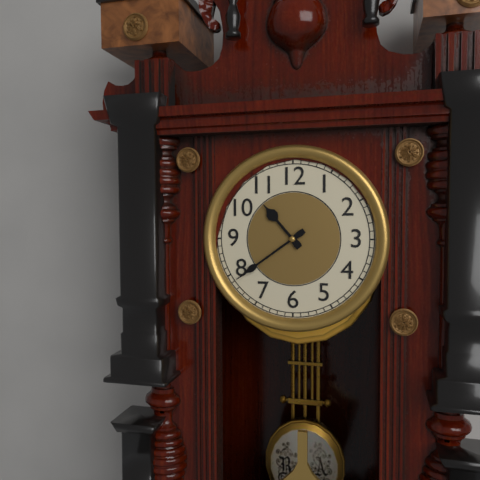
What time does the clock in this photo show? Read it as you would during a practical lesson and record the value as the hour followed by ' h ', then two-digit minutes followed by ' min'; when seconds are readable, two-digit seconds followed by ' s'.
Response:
10 h 39 min
